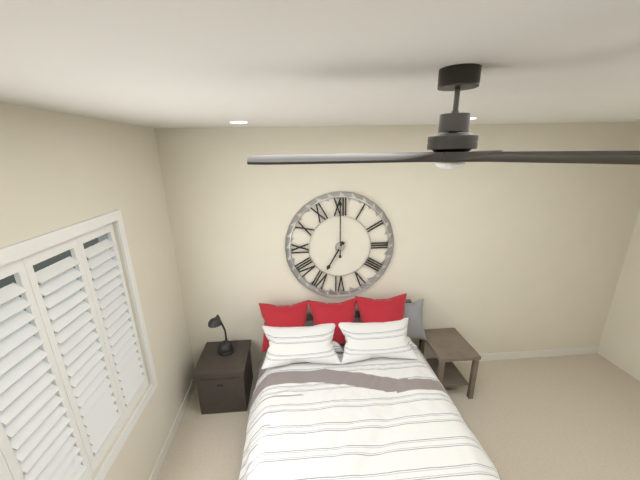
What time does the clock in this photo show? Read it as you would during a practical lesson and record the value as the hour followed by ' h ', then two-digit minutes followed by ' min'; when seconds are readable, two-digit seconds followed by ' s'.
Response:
7 h 00 min
